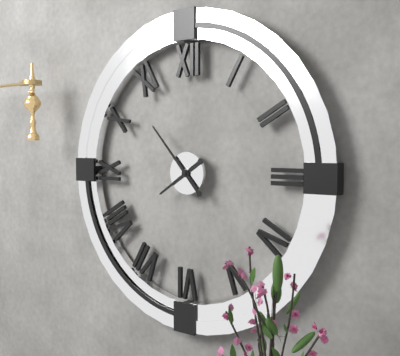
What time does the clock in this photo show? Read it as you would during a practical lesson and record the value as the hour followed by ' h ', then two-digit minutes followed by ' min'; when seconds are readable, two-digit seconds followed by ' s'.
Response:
7 h 53 min
